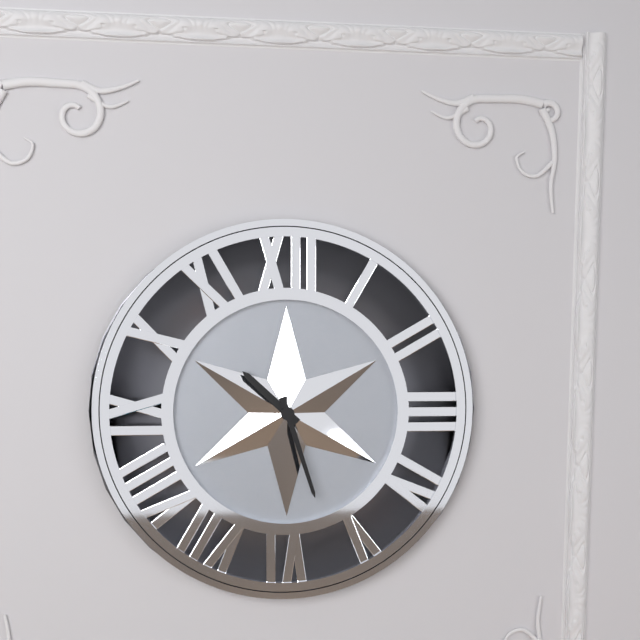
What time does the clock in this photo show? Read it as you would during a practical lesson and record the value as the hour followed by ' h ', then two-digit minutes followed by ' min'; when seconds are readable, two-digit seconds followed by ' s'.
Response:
10 h 27 min
